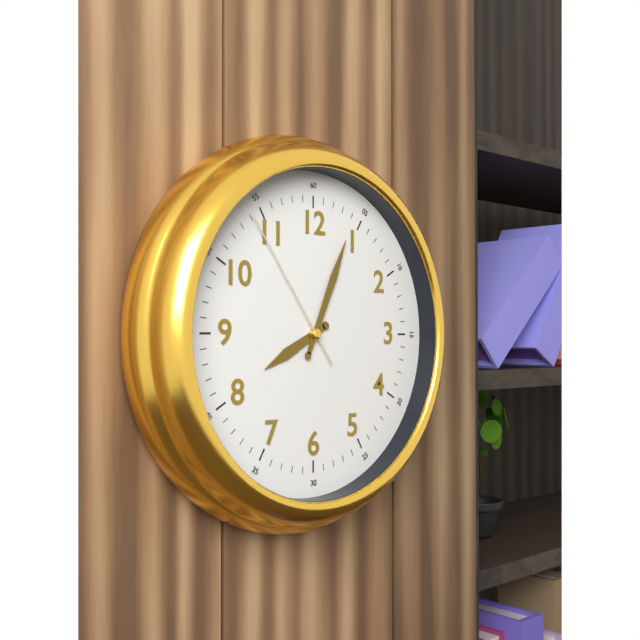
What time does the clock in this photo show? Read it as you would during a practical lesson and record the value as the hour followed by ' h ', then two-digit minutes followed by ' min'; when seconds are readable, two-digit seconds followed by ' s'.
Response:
8 h 04 min 54 s
